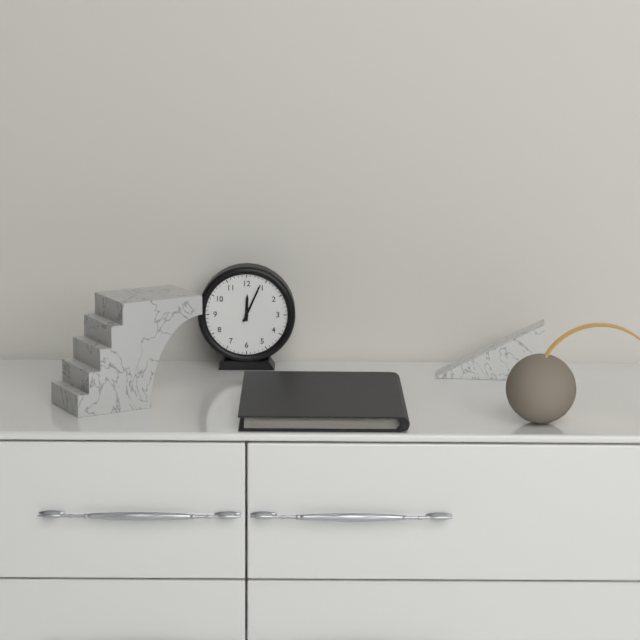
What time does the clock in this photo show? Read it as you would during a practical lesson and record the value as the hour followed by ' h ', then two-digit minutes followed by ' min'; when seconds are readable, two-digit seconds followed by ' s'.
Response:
12 h 04 min
